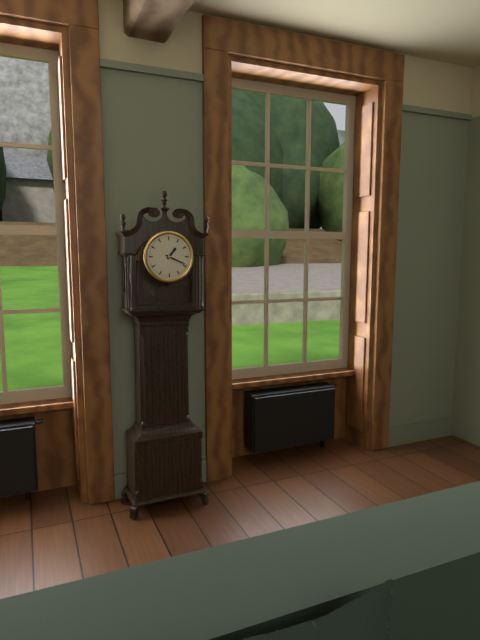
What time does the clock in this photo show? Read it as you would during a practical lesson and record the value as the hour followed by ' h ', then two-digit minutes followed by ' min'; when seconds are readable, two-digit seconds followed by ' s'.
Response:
1 h 19 min
